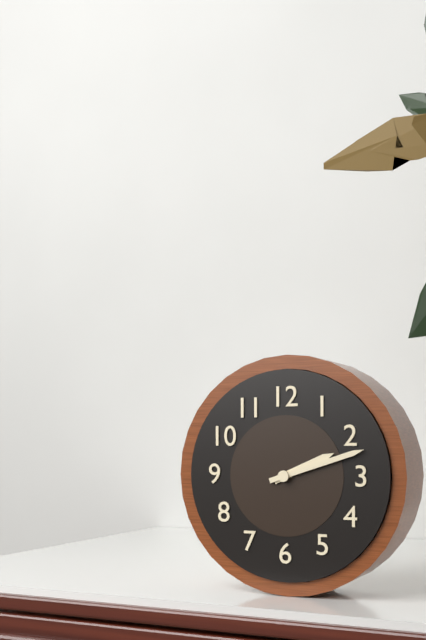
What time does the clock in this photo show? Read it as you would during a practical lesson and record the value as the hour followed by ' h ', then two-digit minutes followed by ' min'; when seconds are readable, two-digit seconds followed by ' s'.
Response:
2 h 12 min
